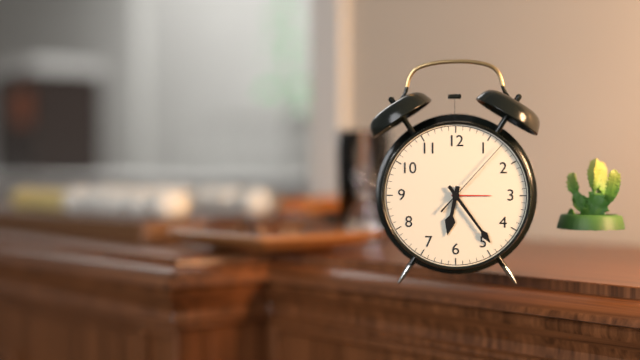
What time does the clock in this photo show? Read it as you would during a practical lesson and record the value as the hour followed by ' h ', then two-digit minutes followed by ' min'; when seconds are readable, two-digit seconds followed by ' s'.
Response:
6 h 24 min 07 s
